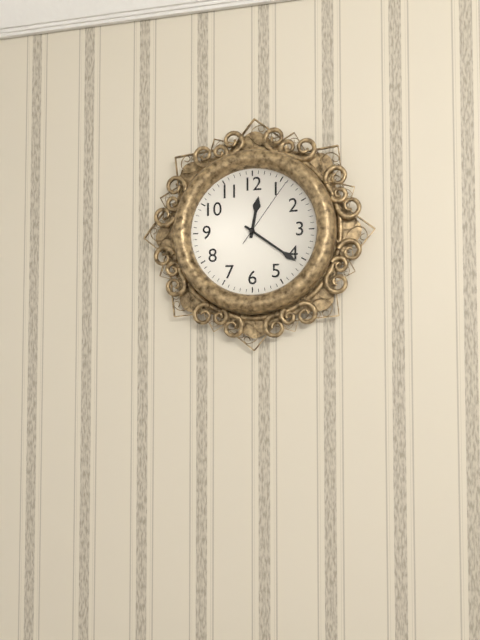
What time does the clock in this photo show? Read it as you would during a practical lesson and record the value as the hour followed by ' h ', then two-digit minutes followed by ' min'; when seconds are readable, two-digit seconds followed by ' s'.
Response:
12 h 21 min 06 s
